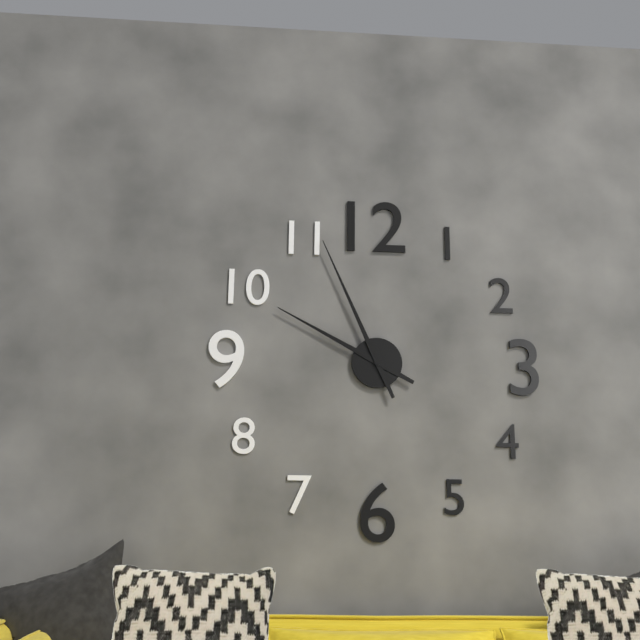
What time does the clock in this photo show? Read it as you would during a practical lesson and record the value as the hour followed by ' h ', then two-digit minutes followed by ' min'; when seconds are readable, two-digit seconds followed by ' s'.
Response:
9 h 56 min
